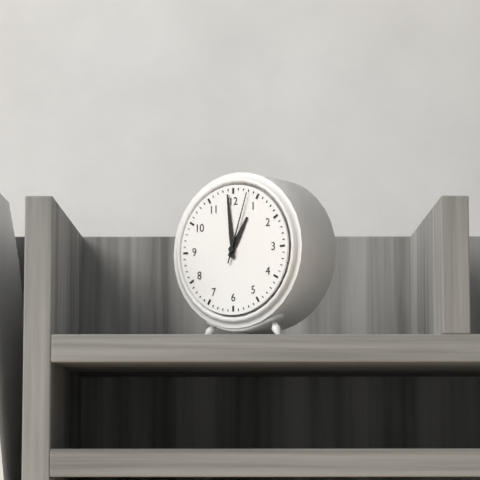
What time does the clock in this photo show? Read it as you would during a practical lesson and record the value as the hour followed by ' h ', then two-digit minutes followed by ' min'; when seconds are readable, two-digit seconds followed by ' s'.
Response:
12 h 59 min 03 s
